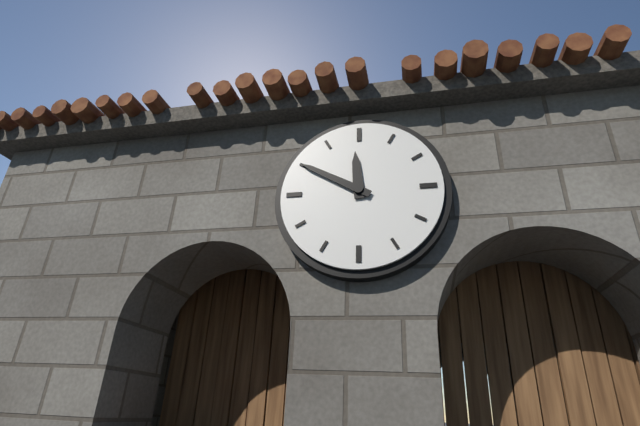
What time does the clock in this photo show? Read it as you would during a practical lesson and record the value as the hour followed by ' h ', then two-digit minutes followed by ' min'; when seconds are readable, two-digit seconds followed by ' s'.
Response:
11 h 50 min
